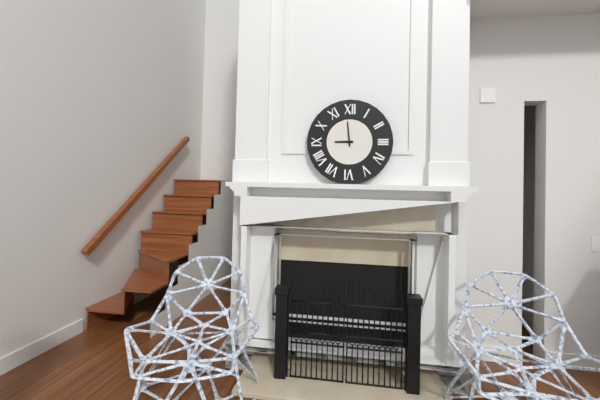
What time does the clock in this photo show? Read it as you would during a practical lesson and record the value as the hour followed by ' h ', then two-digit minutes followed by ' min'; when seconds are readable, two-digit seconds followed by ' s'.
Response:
8 h 59 min
